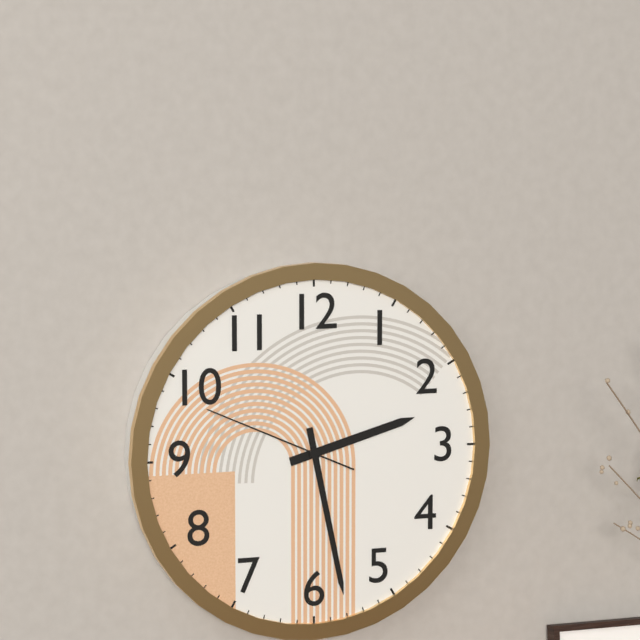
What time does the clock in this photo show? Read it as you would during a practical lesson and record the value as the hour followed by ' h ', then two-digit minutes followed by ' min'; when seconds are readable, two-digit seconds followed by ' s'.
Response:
2 h 28 min 49 s
